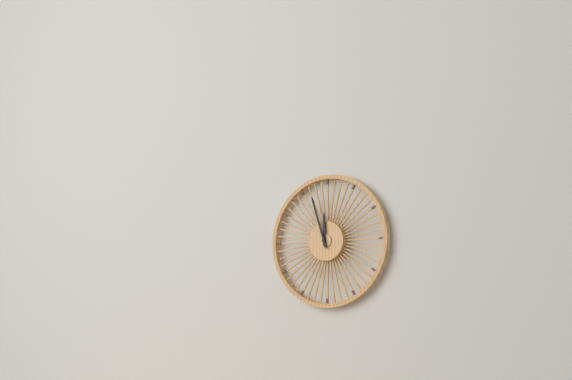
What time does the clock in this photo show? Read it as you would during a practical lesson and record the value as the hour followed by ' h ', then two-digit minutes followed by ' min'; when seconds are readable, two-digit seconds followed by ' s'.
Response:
11 h 57 min
